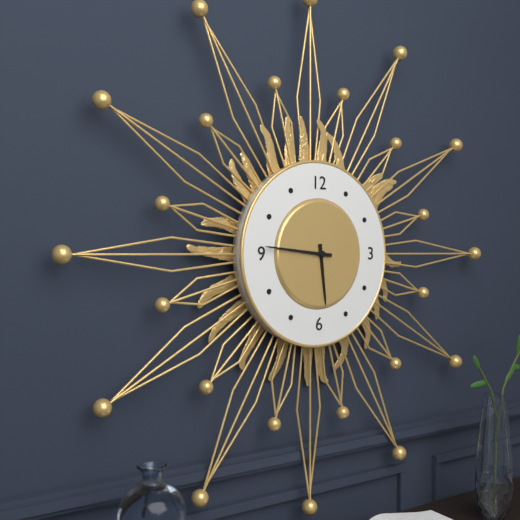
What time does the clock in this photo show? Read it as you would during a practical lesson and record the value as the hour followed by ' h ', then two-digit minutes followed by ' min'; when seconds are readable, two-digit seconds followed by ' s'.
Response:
5 h 46 min
